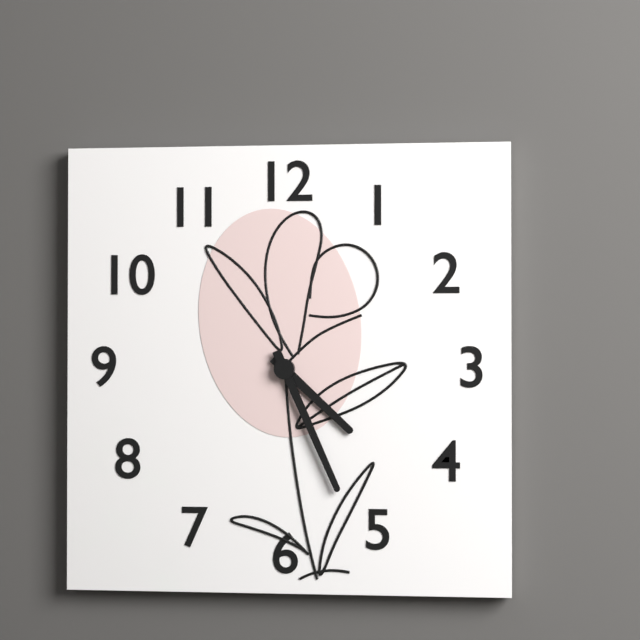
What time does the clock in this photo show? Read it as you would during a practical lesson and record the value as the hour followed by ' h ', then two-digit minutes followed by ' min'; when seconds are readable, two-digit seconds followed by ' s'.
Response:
4 h 26 min
